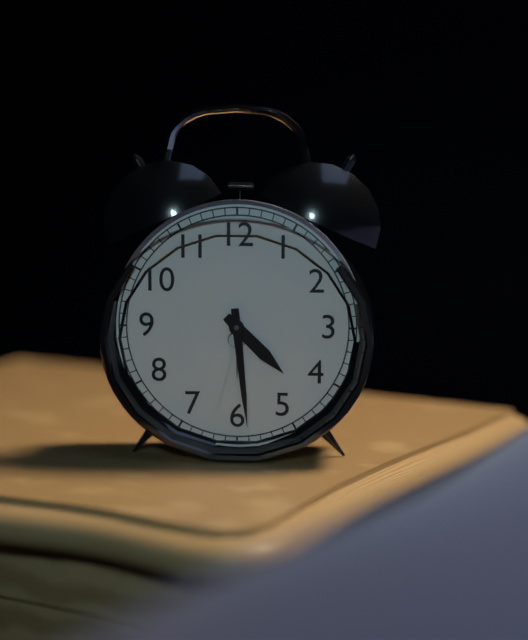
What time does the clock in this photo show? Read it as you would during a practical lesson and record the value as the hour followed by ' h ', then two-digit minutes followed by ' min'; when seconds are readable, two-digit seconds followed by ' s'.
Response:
4 h 29 min
